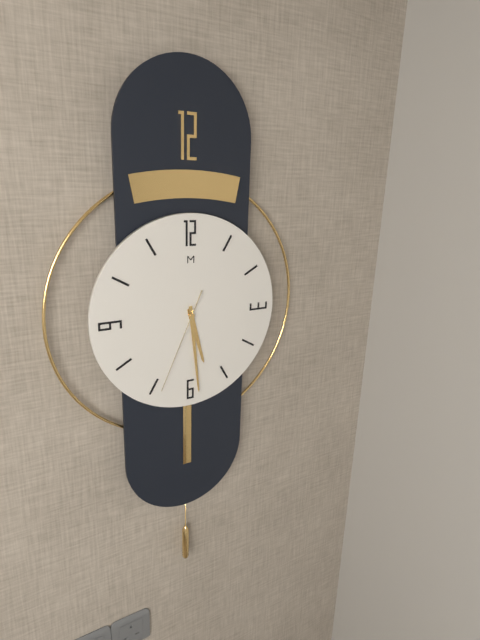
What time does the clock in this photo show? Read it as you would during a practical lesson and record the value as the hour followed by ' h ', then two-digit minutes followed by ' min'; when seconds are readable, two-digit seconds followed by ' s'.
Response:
5 h 29 min 34 s
